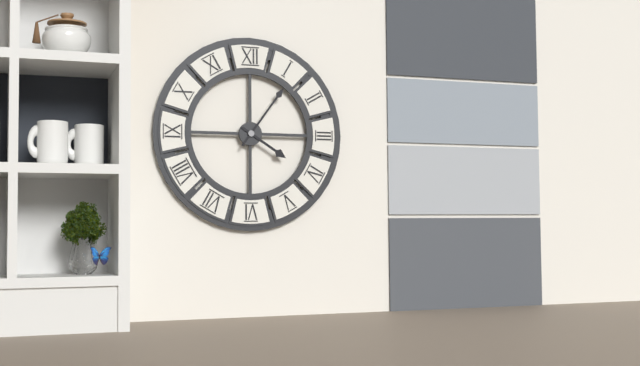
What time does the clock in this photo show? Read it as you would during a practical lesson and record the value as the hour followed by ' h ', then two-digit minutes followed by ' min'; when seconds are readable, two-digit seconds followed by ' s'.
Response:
4 h 06 min
